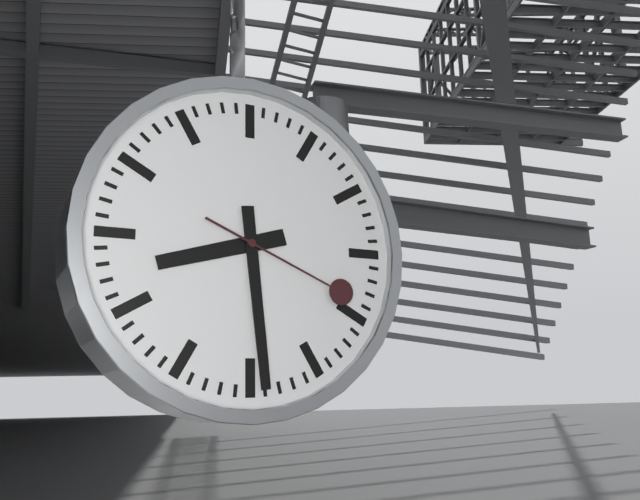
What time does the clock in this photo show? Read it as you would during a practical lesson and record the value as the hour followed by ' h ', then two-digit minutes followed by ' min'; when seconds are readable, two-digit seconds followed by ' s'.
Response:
8 h 29 min 19 s
